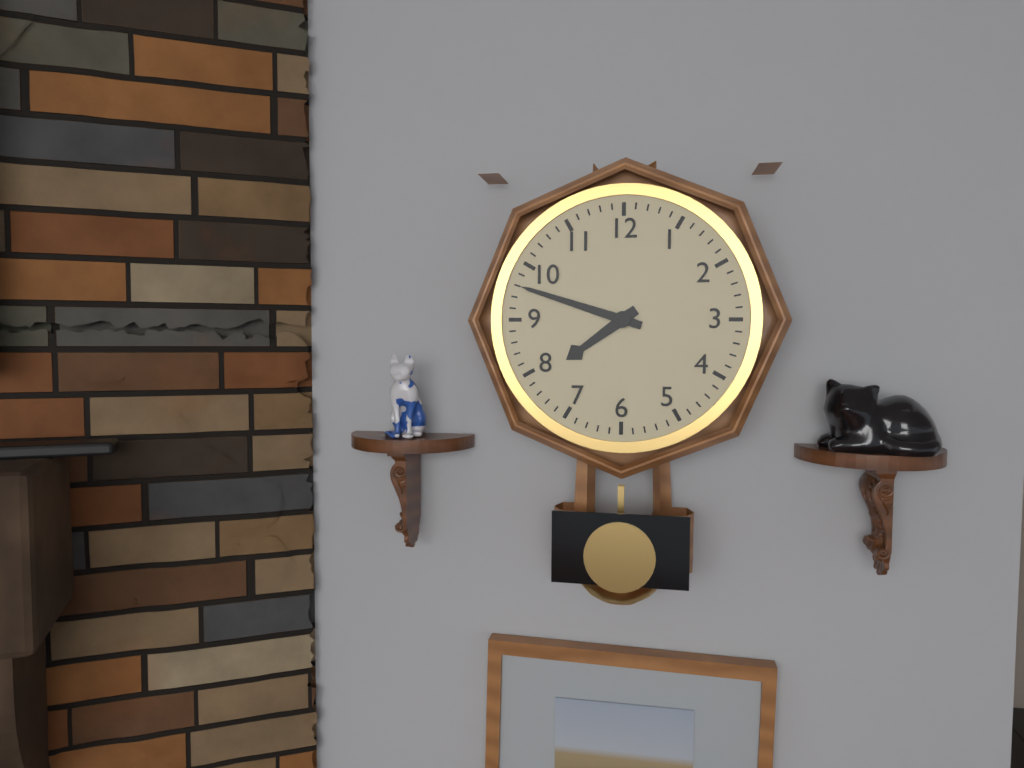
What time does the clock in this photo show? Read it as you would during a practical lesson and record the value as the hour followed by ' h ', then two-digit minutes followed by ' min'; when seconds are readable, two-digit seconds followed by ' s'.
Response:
7 h 48 min
